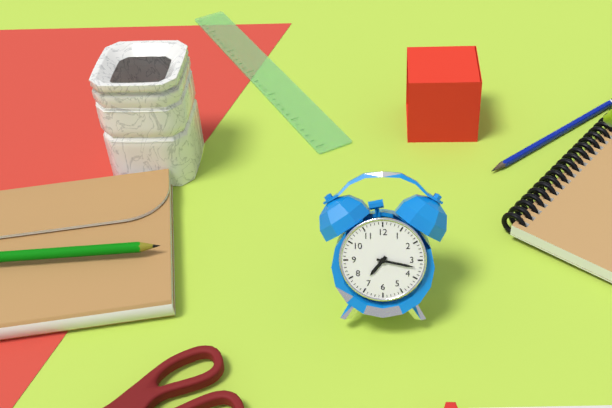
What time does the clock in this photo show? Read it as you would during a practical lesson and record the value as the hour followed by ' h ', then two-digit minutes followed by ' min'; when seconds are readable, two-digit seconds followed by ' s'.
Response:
7 h 17 min
